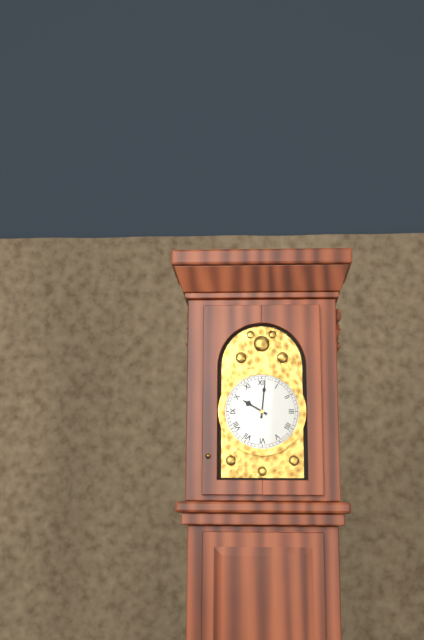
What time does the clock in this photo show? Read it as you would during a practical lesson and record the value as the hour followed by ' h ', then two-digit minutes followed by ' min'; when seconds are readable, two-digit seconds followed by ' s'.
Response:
10 h 01 min
